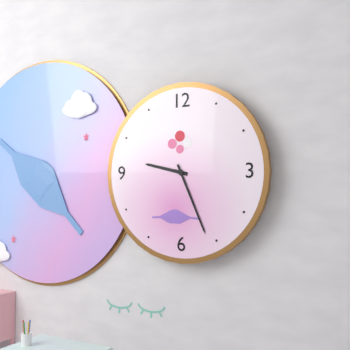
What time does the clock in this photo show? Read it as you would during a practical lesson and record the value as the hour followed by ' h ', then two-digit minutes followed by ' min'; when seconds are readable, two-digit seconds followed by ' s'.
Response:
9 h 26 min
